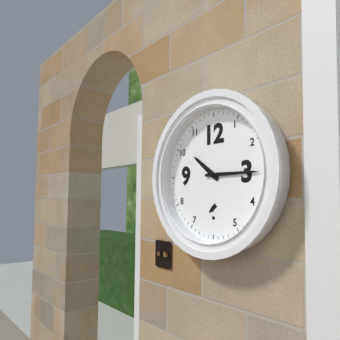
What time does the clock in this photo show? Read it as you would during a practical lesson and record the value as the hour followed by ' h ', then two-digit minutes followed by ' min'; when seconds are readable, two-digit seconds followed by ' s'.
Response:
10 h 15 min
